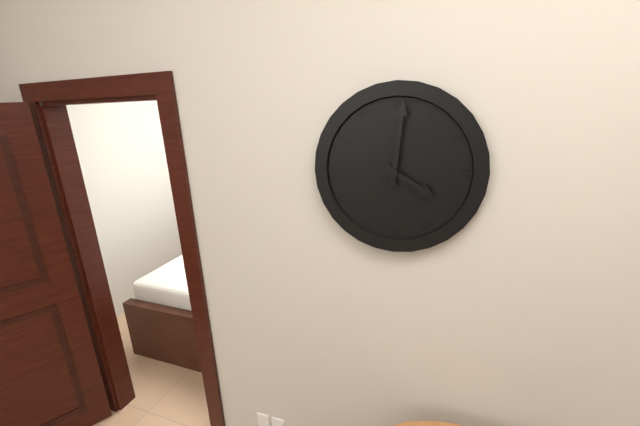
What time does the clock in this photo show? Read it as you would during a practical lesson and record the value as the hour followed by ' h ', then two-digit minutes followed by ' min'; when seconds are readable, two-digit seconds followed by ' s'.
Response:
4 h 01 min
